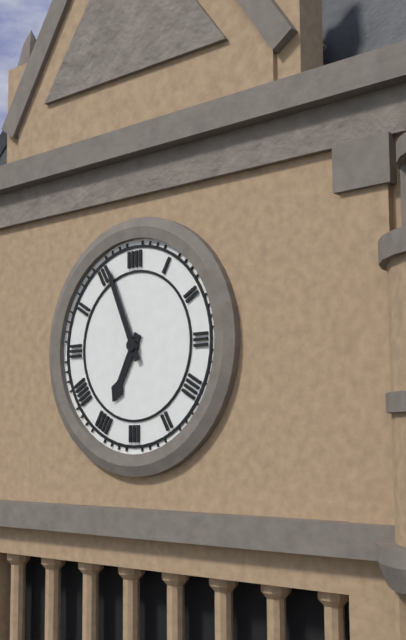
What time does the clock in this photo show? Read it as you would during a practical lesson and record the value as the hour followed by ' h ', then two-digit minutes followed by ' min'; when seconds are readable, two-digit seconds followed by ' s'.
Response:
6 h 56 min
